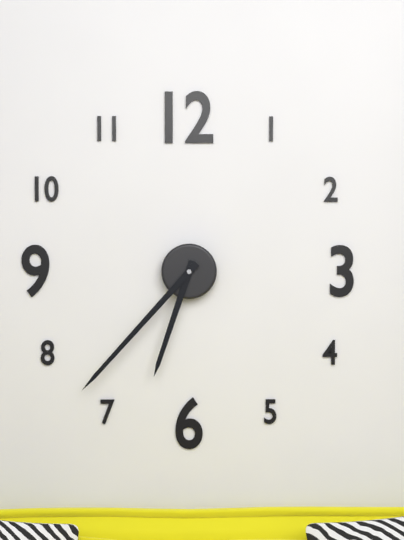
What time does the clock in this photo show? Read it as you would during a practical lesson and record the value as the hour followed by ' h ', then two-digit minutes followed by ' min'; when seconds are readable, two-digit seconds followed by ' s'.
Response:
6 h 37 min
